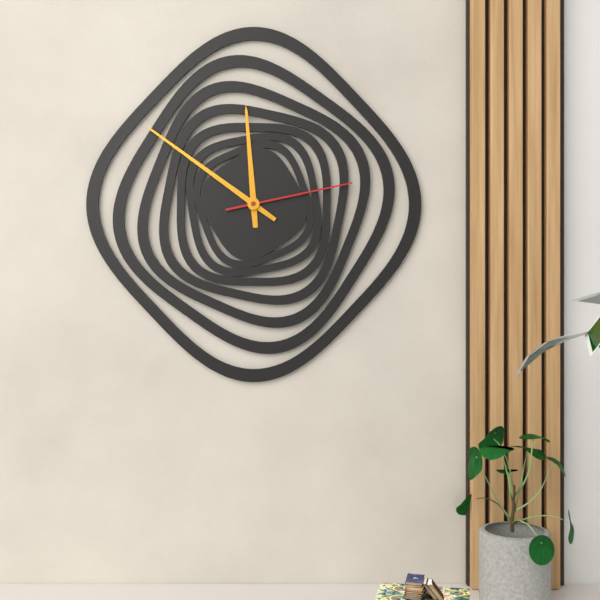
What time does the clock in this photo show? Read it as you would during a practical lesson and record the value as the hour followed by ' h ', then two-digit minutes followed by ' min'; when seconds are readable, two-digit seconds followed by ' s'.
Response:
11 h 51 min 13 s
